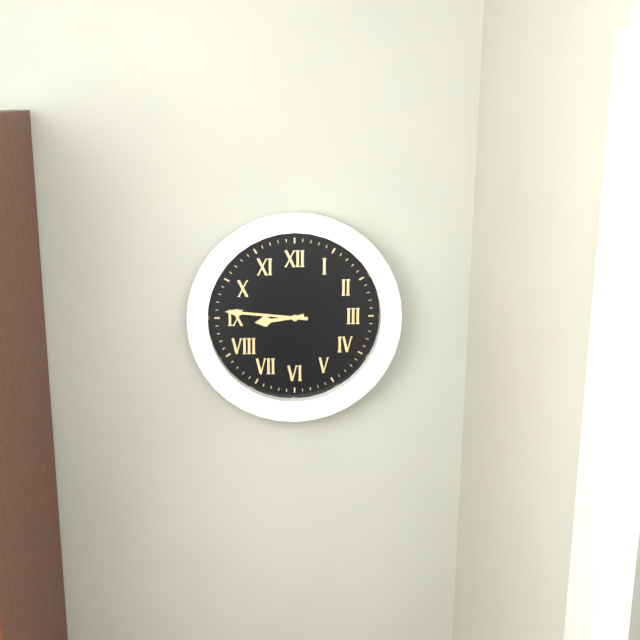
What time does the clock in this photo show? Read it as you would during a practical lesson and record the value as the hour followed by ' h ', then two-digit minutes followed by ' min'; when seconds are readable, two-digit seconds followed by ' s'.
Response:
8 h 46 min
